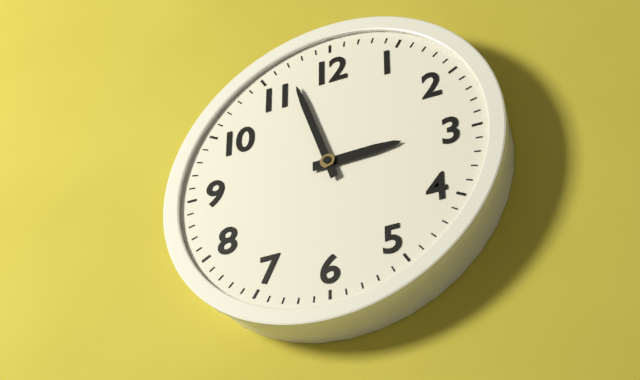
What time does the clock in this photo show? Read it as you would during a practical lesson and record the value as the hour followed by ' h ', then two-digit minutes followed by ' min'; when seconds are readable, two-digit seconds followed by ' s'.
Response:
2 h 57 min
